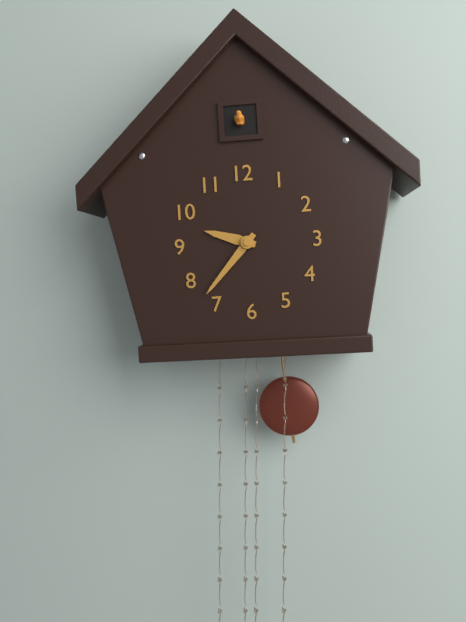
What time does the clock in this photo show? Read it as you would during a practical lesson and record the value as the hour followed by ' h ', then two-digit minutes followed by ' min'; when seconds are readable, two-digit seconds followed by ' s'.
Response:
9 h 37 min
